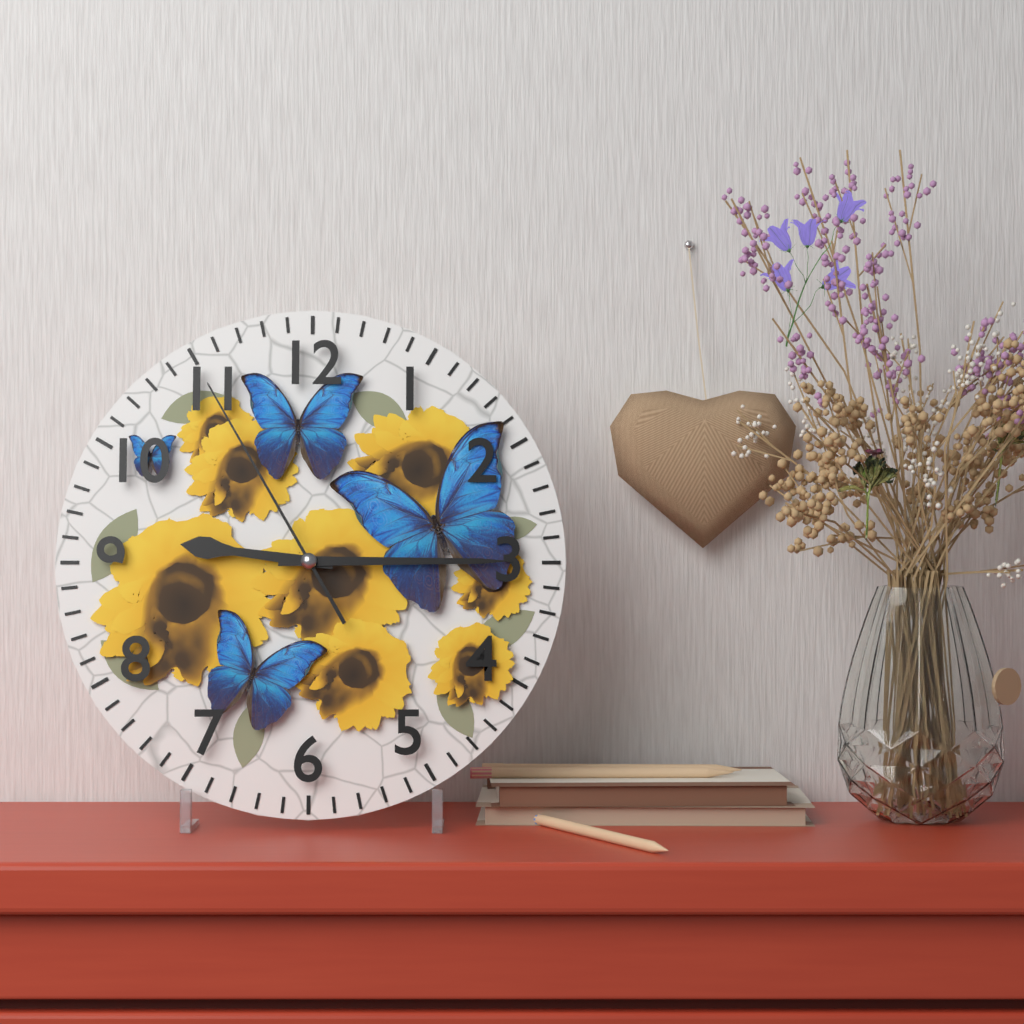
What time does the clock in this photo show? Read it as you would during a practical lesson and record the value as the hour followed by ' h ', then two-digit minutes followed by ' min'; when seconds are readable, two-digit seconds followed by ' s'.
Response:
9 h 15 min 55 s
